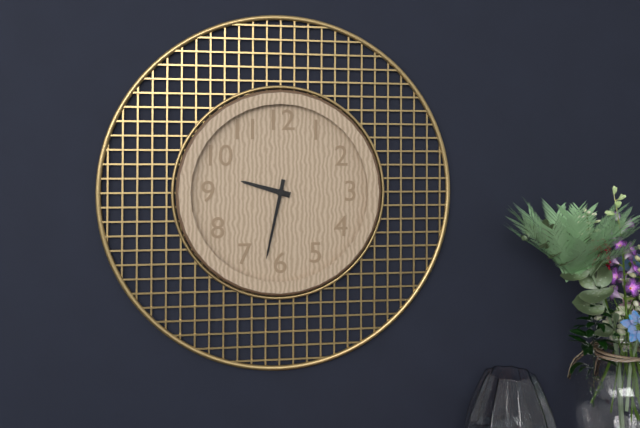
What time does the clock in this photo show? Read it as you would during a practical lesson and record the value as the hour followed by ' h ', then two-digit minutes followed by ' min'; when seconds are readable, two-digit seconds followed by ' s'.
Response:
9 h 32 min
